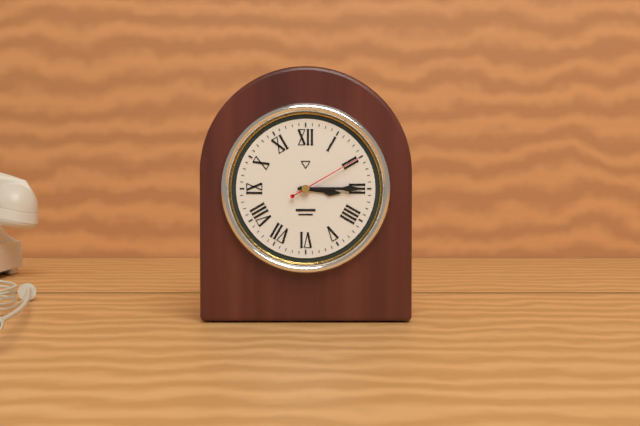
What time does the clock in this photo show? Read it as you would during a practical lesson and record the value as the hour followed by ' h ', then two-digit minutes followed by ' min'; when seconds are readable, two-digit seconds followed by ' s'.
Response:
3 h 15 min 10 s
